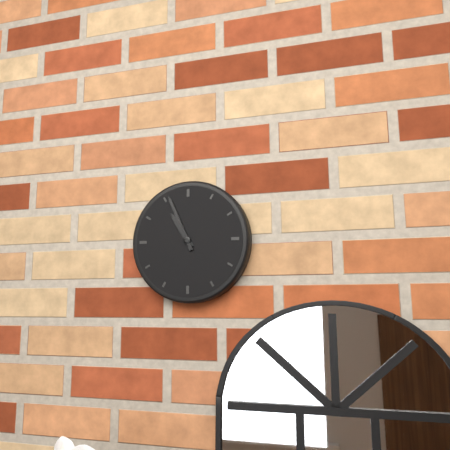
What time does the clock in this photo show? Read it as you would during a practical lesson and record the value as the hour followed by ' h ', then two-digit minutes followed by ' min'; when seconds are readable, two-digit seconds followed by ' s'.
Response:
10 h 56 min
